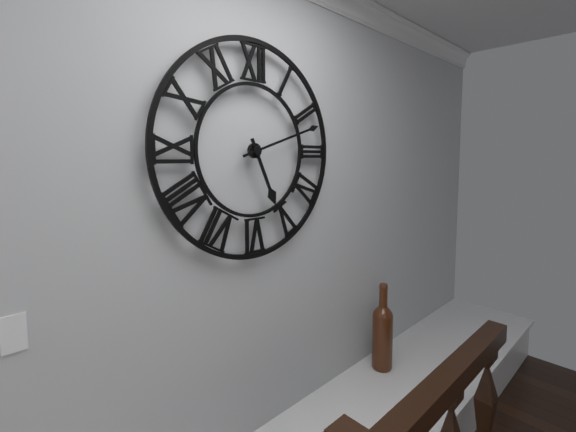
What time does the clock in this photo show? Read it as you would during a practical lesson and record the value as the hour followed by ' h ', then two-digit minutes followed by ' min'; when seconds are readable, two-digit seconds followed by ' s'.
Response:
5 h 12 min
